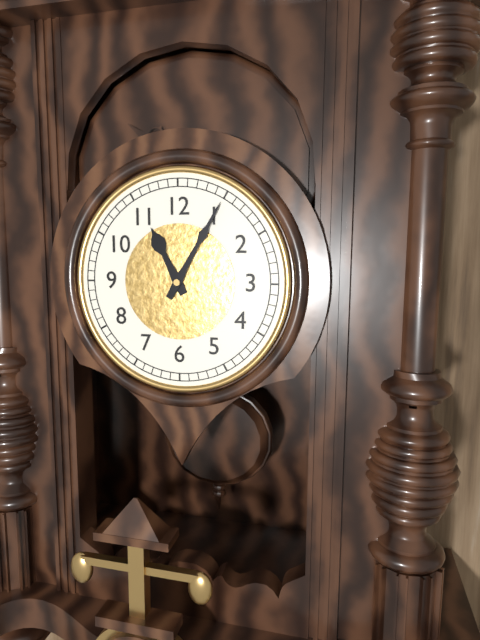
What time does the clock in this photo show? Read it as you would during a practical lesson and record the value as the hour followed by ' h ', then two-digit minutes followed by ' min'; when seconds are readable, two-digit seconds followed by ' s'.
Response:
11 h 05 min
